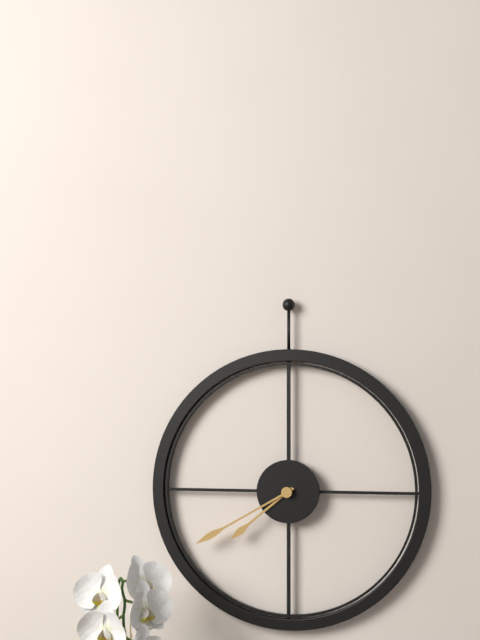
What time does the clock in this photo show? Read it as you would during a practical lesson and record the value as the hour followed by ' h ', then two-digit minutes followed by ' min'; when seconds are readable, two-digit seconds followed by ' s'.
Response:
7 h 40 min
